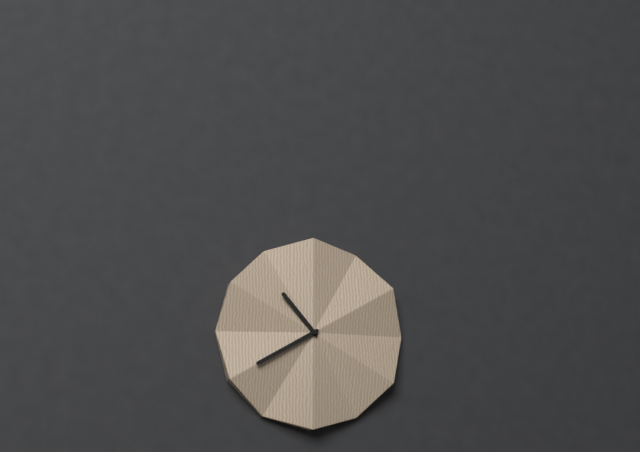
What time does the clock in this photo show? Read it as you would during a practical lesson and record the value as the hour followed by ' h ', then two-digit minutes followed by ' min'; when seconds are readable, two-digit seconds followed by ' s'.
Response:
10 h 40 min
